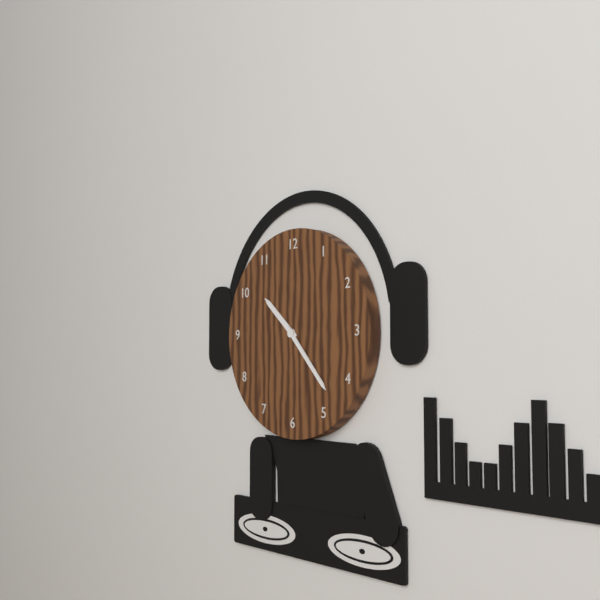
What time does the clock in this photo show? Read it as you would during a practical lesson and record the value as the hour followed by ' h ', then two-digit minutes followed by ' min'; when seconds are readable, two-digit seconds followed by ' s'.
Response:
10 h 23 min
